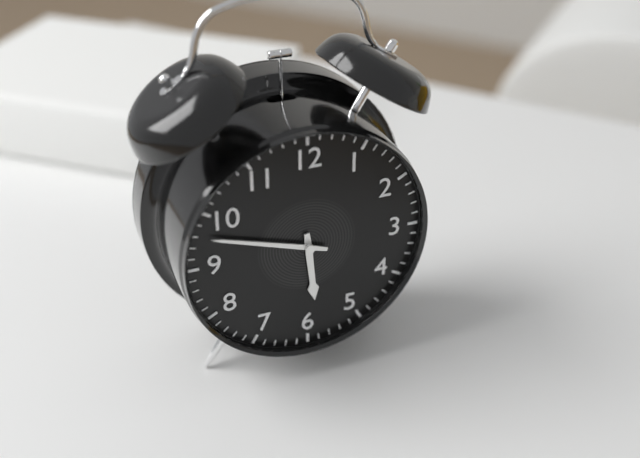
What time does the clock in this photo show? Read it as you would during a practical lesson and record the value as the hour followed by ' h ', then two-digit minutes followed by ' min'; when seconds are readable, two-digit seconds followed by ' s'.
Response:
5 h 48 min
